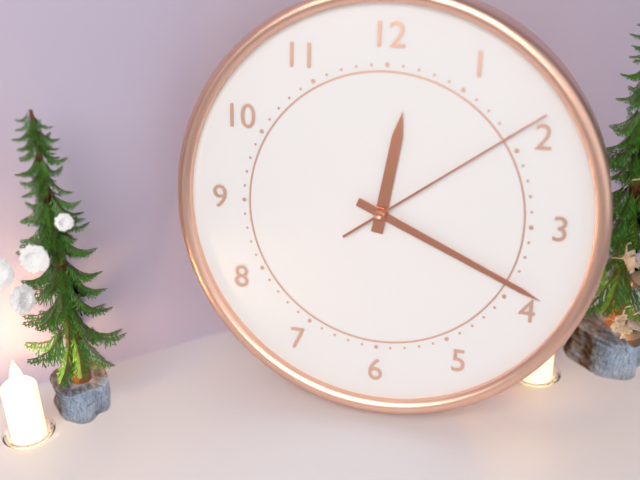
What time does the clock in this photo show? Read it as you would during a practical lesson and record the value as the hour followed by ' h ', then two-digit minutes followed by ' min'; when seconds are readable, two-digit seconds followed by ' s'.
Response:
12 h 19 min 09 s
